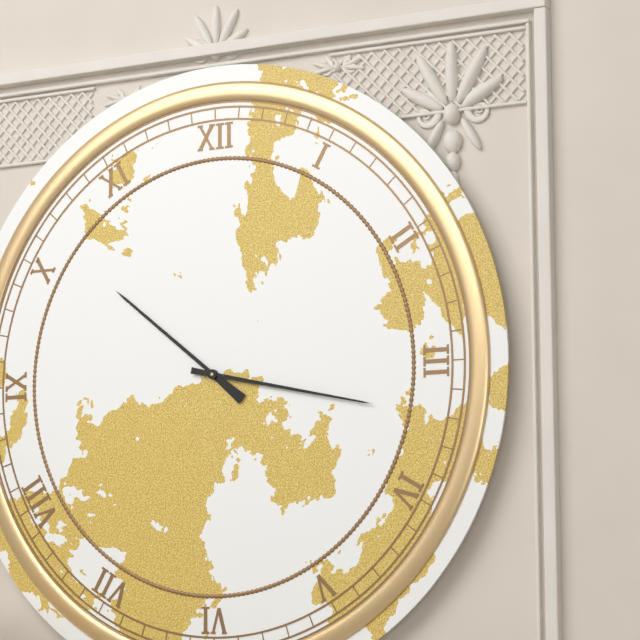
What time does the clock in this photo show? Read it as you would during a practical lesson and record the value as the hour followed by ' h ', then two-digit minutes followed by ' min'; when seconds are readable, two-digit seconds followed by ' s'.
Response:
10 h 17 min
